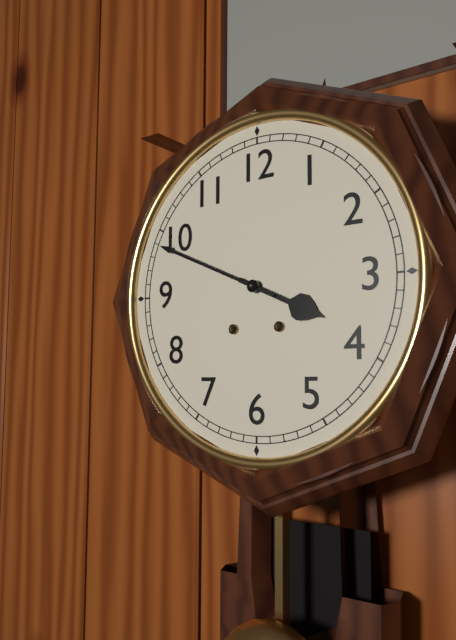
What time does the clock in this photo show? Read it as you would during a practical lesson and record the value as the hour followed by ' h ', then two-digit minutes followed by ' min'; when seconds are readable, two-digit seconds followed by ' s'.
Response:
3 h 49 min
